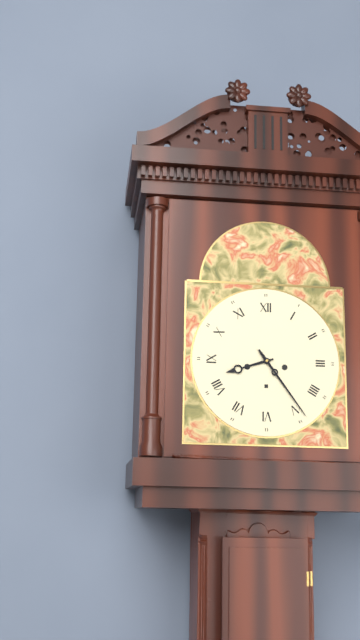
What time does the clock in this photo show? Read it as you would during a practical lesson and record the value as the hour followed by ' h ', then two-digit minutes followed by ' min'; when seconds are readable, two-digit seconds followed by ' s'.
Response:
8 h 24 min
